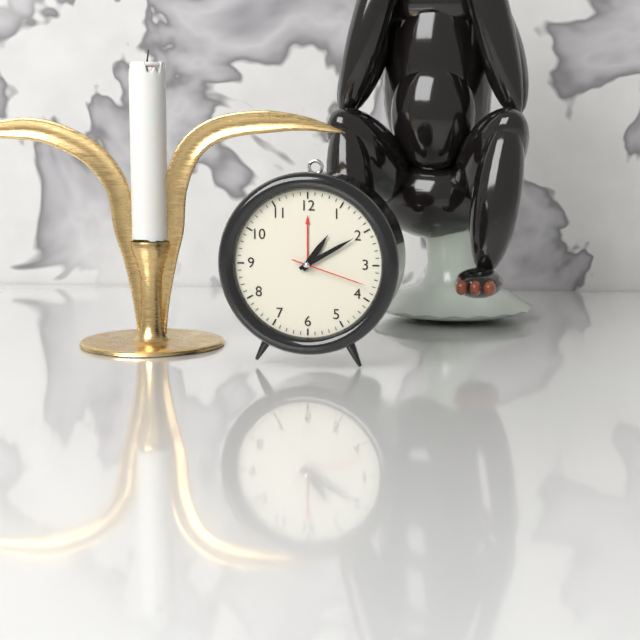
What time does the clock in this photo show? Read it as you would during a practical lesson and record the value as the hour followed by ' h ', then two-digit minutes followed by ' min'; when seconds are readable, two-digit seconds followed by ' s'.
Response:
1 h 10 min 18 s
